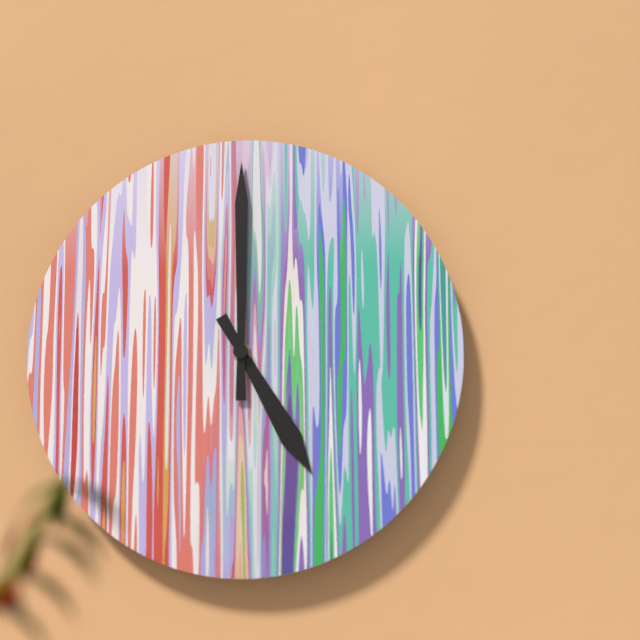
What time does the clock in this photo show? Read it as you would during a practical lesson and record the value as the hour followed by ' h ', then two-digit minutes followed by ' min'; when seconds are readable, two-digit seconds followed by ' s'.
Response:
5 h 00 min
